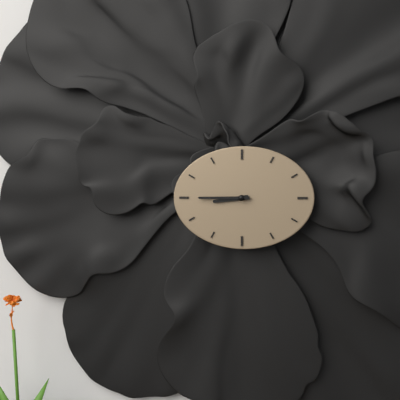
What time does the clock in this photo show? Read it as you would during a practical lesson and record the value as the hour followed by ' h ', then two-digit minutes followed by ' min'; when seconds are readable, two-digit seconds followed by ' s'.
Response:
8 h 45 min
